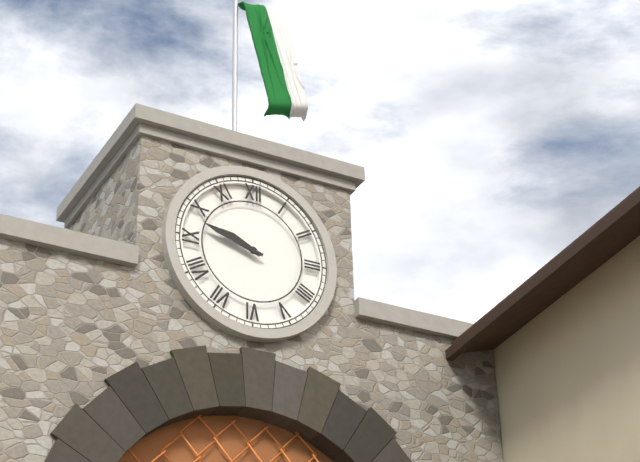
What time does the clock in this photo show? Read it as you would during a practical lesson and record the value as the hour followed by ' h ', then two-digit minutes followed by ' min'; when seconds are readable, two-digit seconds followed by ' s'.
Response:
9 h 48 min
